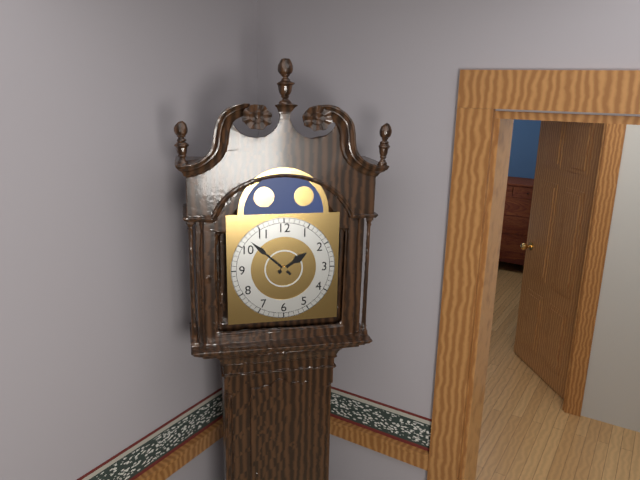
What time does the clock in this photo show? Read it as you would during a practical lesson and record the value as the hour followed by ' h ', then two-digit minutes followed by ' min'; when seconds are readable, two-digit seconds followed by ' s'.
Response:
1 h 52 min
